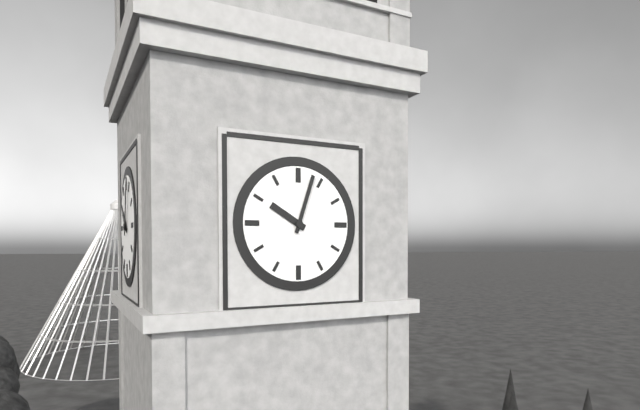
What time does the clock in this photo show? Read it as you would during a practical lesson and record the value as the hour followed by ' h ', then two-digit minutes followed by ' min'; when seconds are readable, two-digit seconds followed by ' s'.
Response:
10 h 03 min
